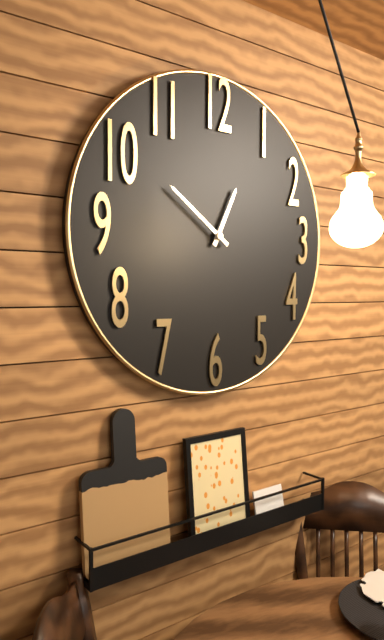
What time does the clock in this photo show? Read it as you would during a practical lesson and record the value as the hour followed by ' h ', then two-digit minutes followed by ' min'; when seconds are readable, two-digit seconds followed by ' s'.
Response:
12 h 51 min
